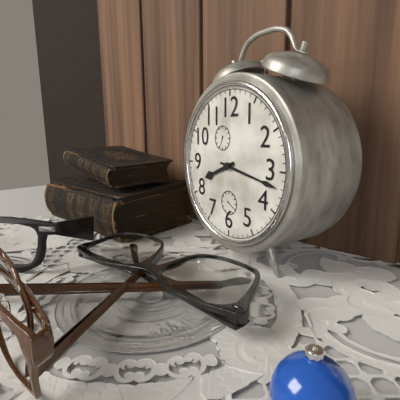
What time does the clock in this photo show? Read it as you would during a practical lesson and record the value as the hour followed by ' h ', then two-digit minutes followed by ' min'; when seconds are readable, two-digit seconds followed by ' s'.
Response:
8 h 17 min
